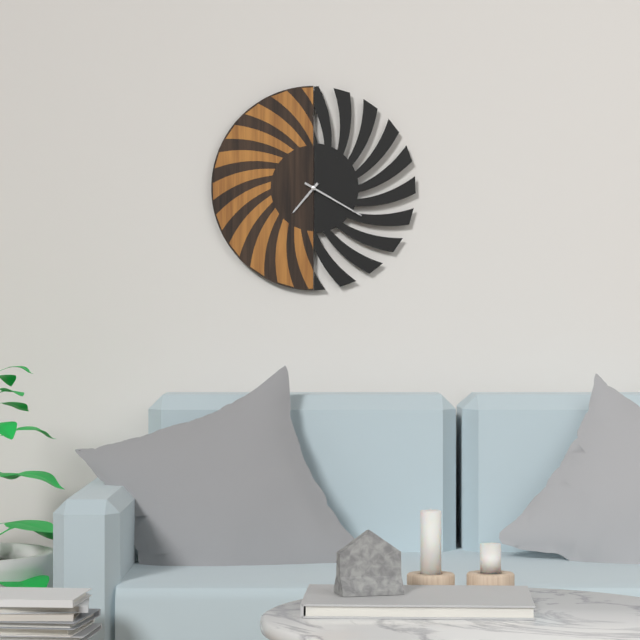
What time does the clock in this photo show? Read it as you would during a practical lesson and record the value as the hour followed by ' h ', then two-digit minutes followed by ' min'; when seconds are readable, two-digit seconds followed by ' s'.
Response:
7 h 20 min
